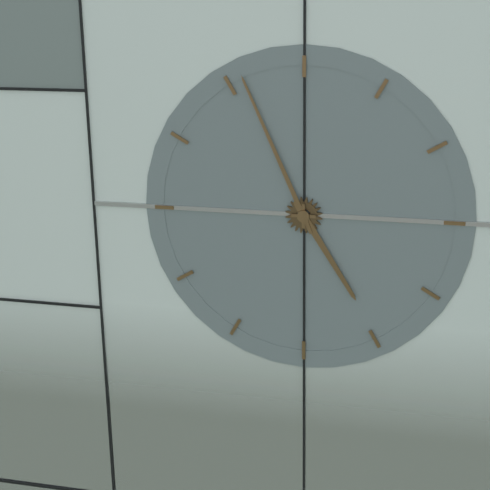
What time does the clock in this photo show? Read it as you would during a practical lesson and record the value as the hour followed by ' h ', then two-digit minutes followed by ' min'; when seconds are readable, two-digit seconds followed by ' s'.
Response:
4 h 56 min
